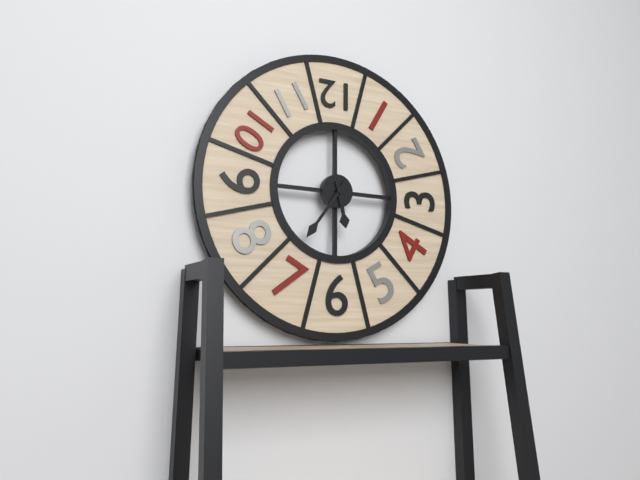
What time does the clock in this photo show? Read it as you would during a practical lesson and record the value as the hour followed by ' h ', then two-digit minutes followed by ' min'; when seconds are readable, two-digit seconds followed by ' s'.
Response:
5 h 36 min
